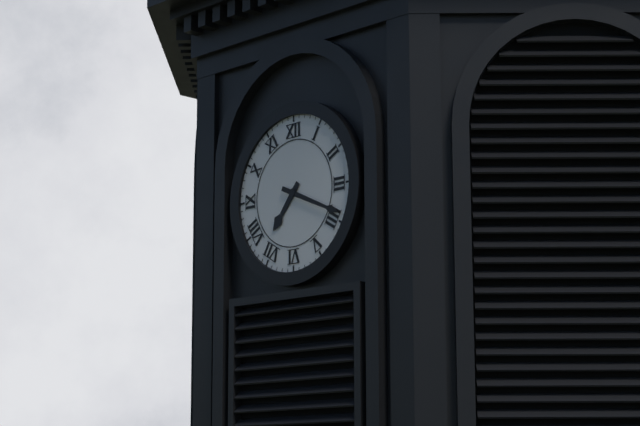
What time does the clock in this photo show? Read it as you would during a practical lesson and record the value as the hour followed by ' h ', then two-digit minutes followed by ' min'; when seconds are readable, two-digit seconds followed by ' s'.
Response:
7 h 19 min
